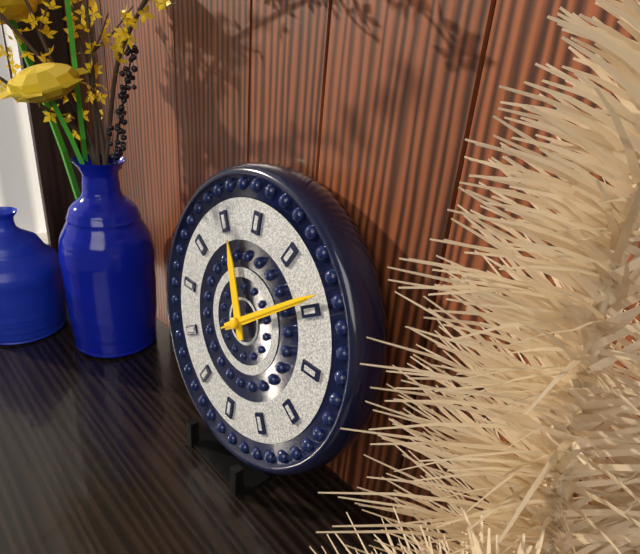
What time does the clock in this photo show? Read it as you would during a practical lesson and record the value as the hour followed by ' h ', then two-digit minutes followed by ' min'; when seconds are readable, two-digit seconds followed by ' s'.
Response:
11 h 09 min 09 s
